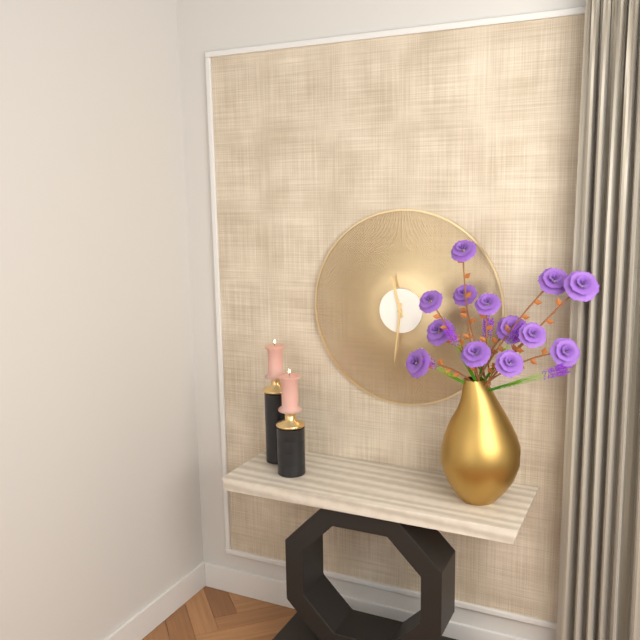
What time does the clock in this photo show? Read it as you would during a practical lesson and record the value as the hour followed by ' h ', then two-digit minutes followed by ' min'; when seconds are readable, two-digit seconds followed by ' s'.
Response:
11 h 31 min
